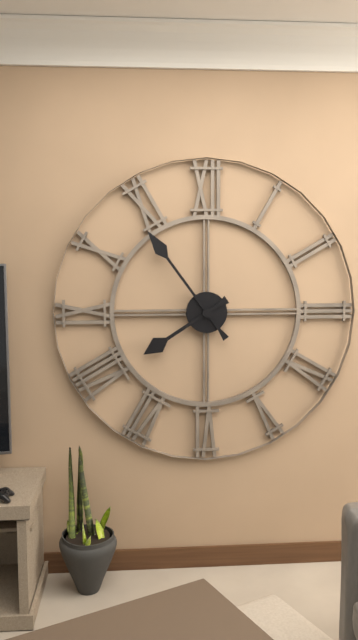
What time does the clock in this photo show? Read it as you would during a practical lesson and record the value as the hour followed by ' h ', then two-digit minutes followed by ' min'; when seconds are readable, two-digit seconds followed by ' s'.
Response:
7 h 54 min
